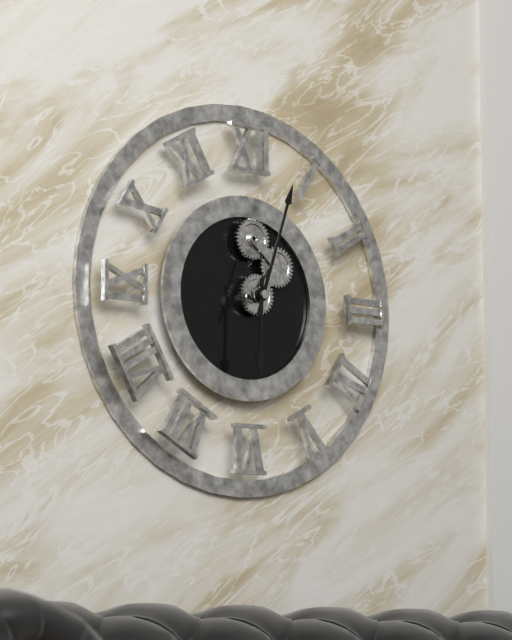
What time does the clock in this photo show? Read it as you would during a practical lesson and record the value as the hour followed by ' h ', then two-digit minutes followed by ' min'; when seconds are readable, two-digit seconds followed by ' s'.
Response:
6 h 03 min
